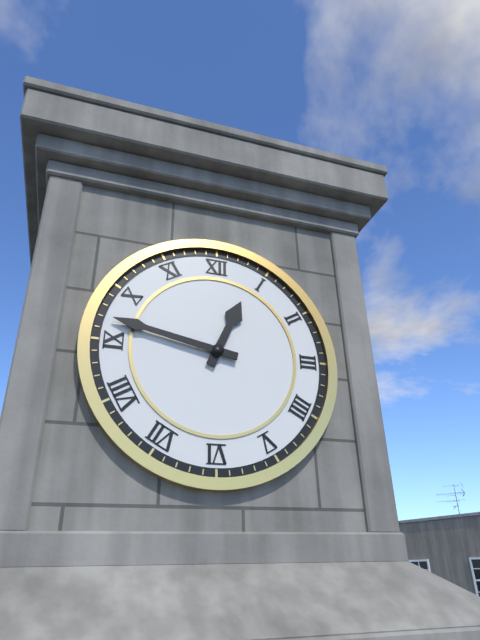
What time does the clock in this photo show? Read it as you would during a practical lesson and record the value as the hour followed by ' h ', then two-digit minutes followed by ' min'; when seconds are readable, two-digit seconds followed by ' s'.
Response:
12 h 47 min
